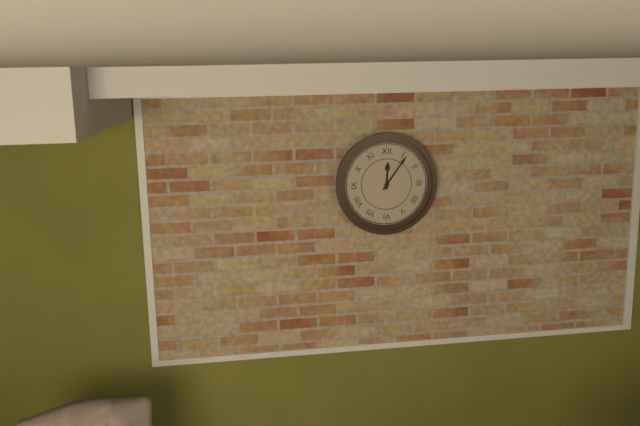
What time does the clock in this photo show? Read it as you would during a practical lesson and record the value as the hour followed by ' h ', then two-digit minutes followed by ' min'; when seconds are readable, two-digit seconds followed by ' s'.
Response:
12 h 06 min
